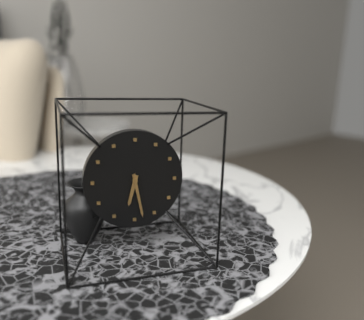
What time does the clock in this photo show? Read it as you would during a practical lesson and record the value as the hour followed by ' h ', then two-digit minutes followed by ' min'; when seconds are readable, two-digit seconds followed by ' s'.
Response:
6 h 28 min
